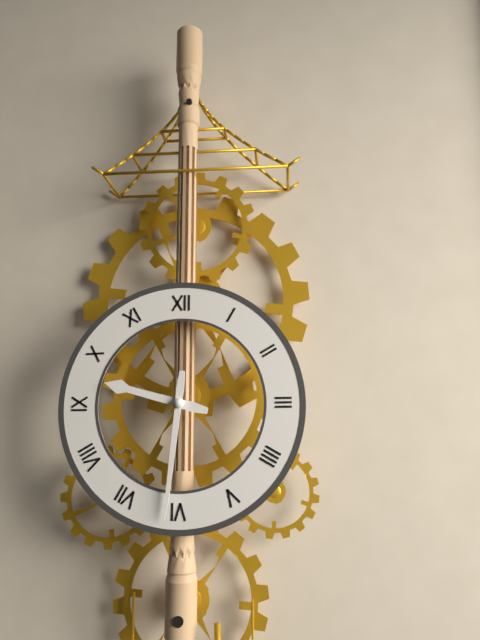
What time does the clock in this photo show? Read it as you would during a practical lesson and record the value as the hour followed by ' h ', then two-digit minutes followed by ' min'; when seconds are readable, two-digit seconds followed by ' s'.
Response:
9 h 31 min
